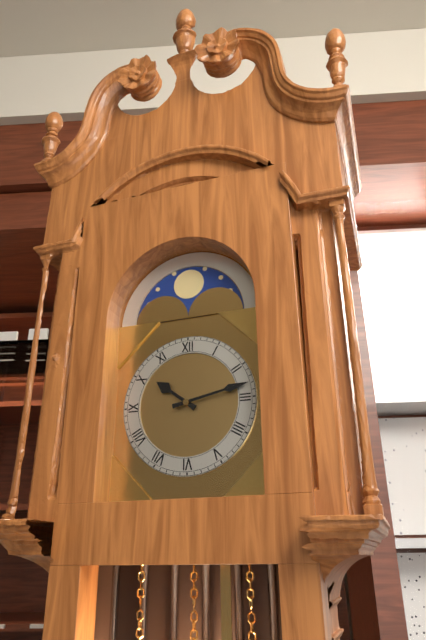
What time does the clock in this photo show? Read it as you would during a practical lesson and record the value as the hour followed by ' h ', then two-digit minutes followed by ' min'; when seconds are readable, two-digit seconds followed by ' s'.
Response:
10 h 13 min
